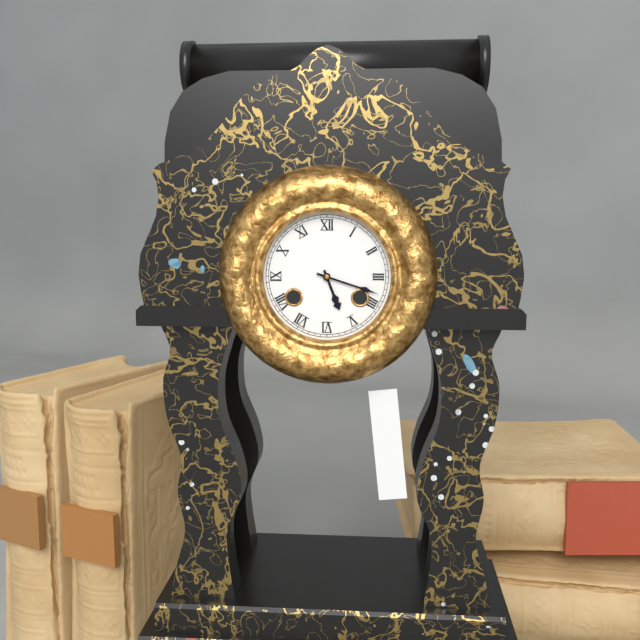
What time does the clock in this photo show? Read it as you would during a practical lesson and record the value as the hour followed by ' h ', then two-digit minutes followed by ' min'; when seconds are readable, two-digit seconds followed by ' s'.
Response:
5 h 18 min
